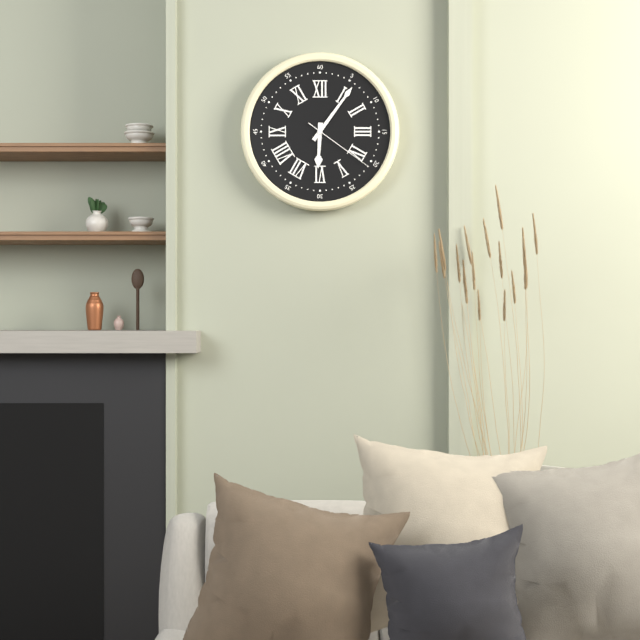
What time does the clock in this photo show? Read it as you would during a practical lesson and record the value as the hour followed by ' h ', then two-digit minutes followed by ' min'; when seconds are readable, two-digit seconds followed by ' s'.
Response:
6 h 06 min 21 s
